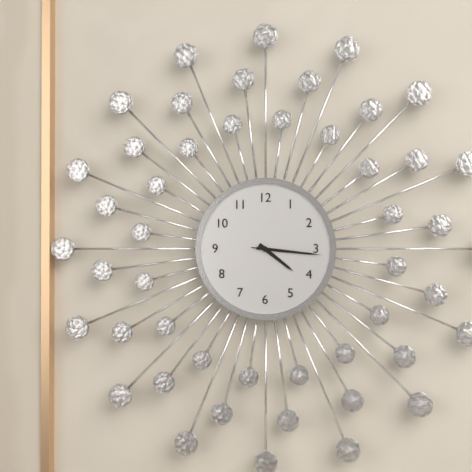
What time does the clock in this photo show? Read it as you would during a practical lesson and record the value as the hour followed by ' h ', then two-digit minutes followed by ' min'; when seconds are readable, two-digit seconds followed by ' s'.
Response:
4 h 16 min 16 s
